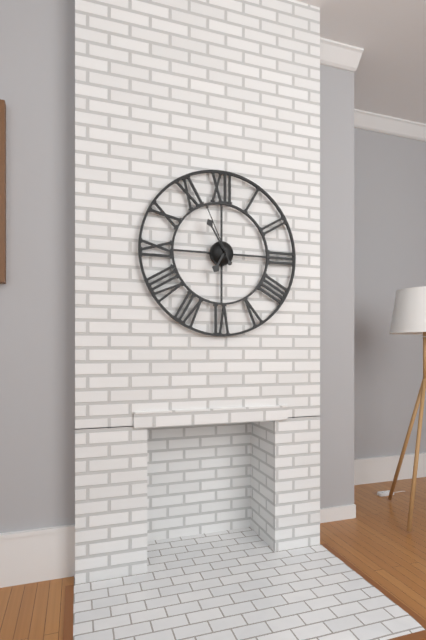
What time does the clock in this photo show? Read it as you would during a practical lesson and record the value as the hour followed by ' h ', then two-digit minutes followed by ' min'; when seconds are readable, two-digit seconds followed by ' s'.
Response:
6 h 55 min 56 s
